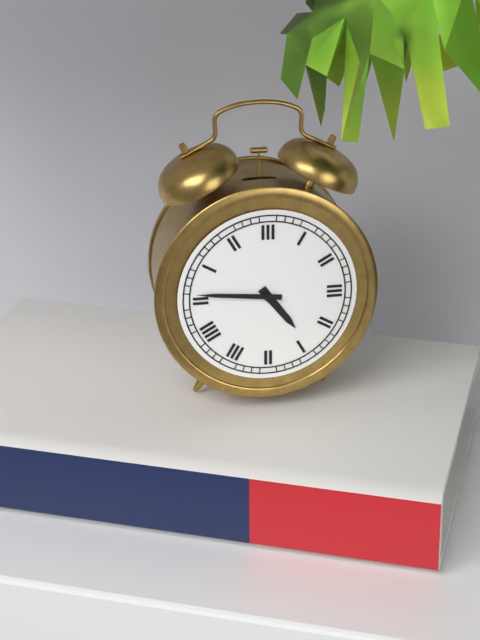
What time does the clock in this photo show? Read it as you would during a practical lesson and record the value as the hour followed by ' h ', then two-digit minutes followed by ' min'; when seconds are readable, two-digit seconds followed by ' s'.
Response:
4 h 46 min
